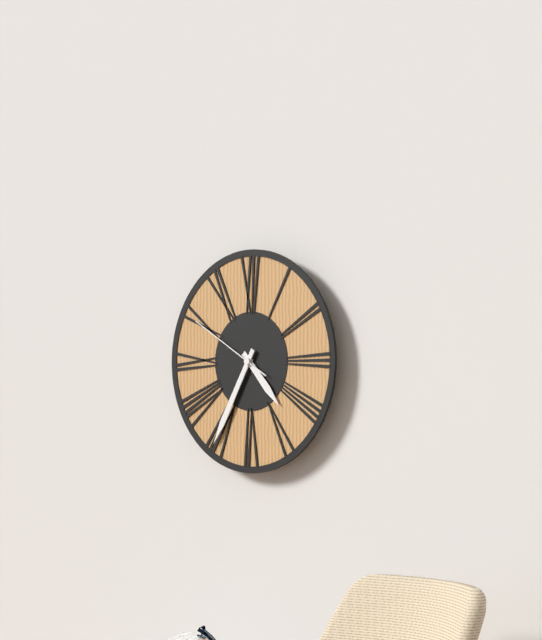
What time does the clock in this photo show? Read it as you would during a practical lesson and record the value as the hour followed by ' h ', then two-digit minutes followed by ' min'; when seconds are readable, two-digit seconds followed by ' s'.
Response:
4 h 35 min 50 s
